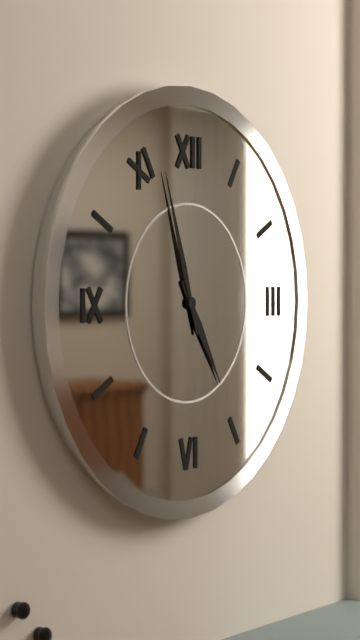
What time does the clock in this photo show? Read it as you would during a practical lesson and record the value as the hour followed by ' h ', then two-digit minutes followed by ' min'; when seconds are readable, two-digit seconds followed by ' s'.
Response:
4 h 57 min
